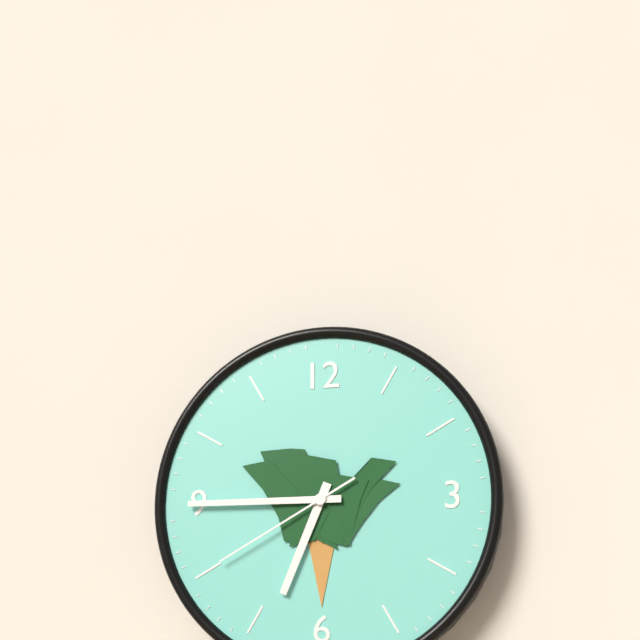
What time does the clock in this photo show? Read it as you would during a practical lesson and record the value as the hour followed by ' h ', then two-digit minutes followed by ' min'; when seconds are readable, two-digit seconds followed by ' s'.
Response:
6 h 45 min 40 s
